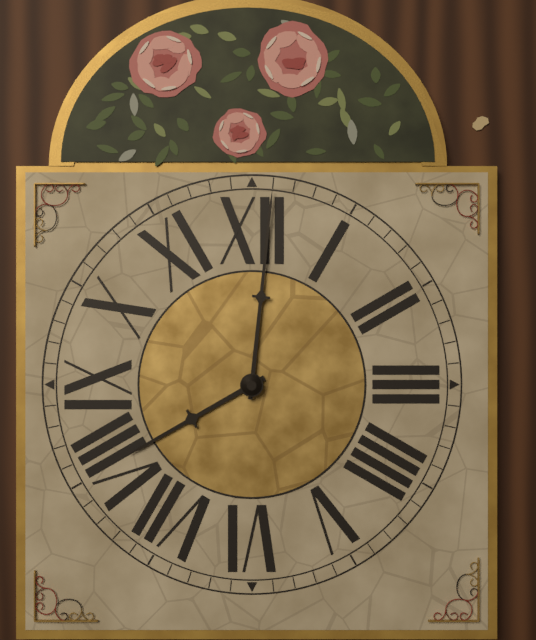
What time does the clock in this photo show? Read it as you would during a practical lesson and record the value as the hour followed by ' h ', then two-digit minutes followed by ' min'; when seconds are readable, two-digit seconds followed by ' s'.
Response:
8 h 01 min
